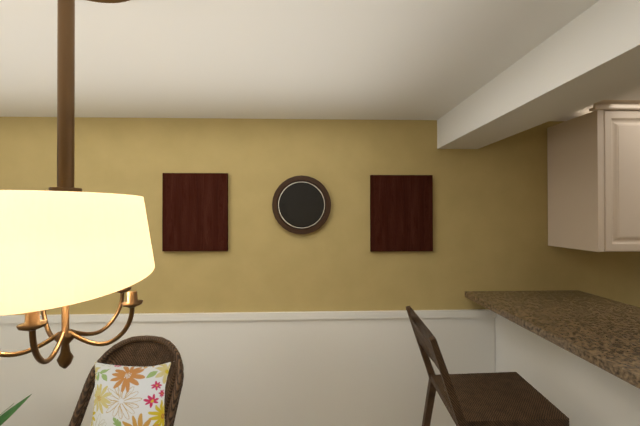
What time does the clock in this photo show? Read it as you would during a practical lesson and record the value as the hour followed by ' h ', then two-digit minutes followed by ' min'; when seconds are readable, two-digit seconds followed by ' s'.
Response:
3 h 13 min
